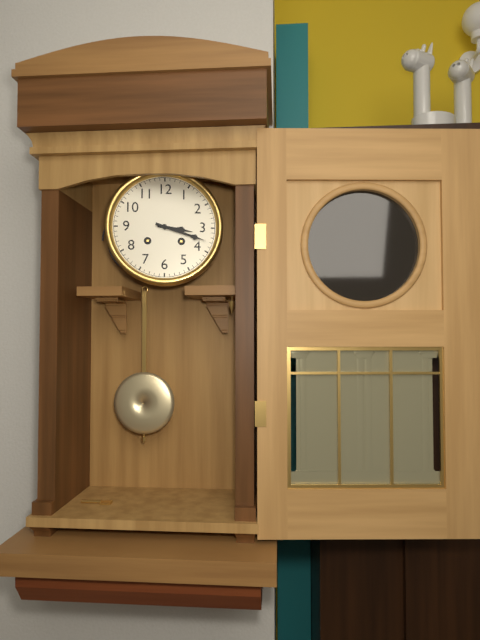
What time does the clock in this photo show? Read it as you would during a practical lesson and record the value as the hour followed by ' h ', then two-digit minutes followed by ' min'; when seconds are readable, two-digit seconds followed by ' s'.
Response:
3 h 18 min
